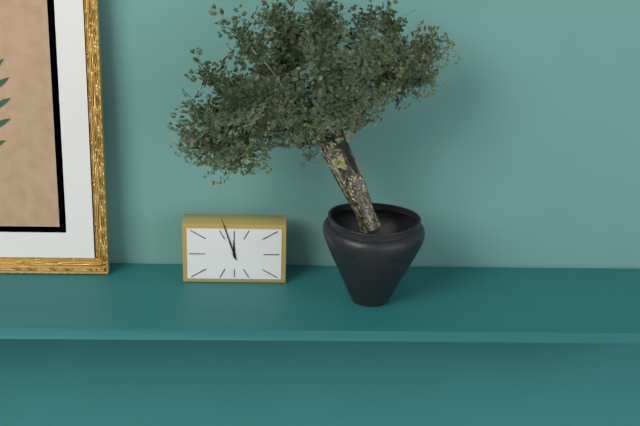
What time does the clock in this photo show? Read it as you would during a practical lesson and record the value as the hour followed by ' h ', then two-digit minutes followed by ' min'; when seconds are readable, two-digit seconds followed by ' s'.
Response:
11 h 57 min
